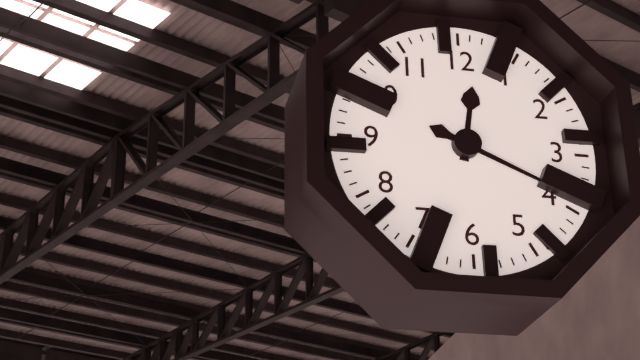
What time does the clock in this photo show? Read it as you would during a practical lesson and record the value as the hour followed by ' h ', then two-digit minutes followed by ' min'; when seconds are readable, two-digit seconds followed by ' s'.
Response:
12 h 19 min
